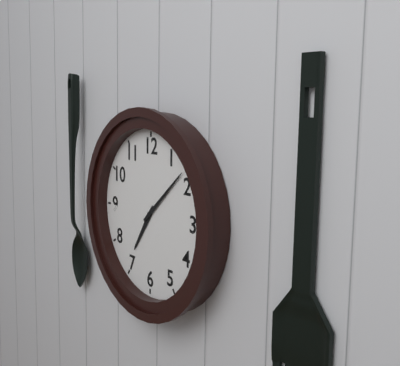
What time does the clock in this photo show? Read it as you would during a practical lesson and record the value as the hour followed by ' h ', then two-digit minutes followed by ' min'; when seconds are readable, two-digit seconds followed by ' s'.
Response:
7 h 08 min
